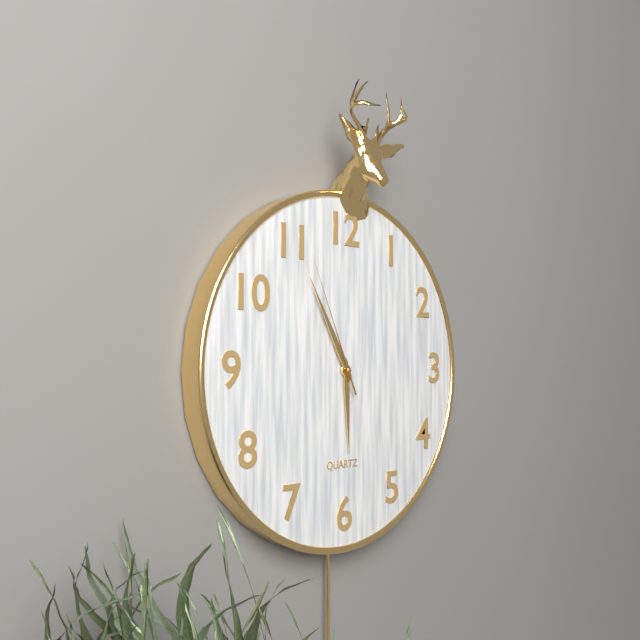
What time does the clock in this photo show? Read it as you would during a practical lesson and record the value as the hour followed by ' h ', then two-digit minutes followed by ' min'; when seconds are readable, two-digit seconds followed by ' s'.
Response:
5 h 55 min 56 s
